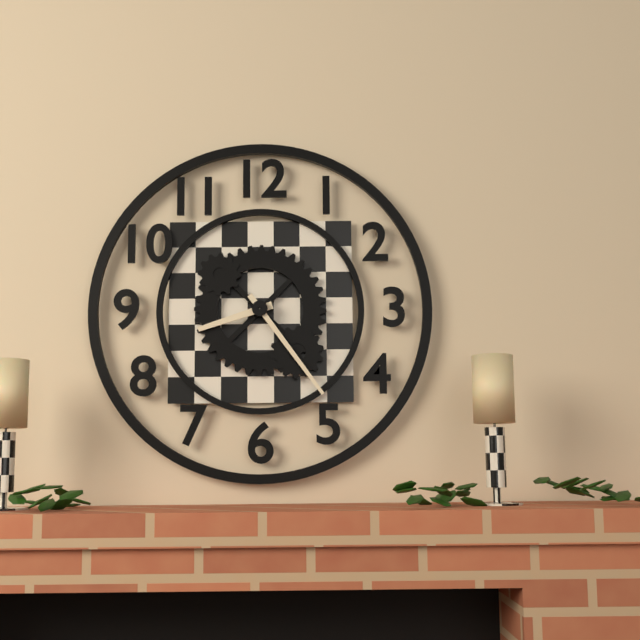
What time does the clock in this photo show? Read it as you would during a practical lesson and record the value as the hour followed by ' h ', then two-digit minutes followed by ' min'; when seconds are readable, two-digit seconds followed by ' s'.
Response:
8 h 24 min
